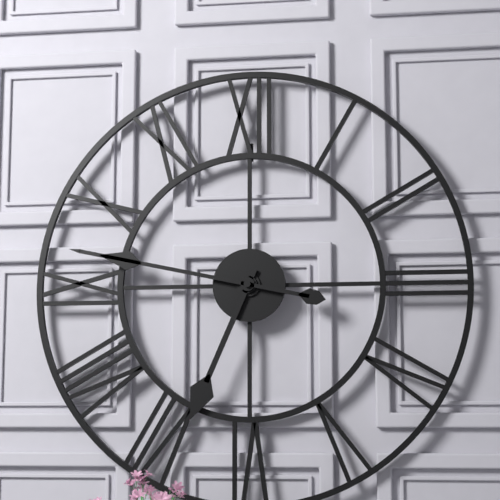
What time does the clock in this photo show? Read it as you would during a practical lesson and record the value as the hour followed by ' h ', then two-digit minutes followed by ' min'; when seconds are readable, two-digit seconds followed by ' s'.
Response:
6 h 47 min
